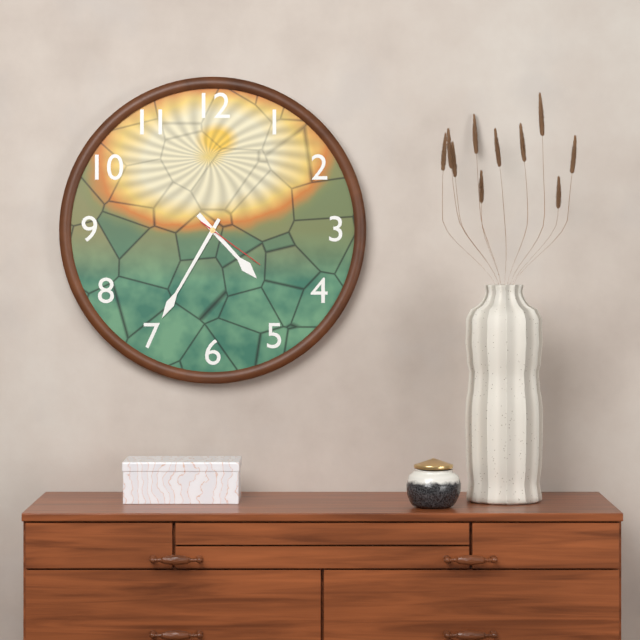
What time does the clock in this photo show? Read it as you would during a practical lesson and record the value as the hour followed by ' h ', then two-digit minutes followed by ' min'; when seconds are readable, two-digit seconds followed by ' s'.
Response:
4 h 35 min 21 s
